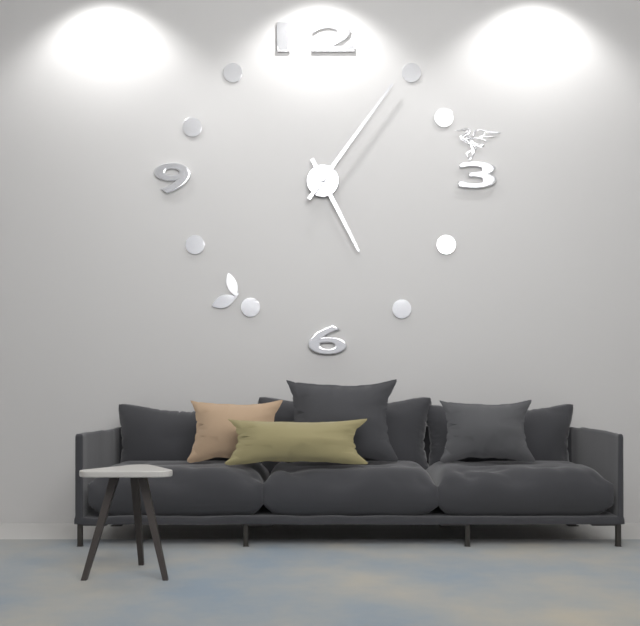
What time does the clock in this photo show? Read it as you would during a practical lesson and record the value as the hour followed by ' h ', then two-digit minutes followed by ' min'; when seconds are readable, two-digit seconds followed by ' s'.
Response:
5 h 06 min
